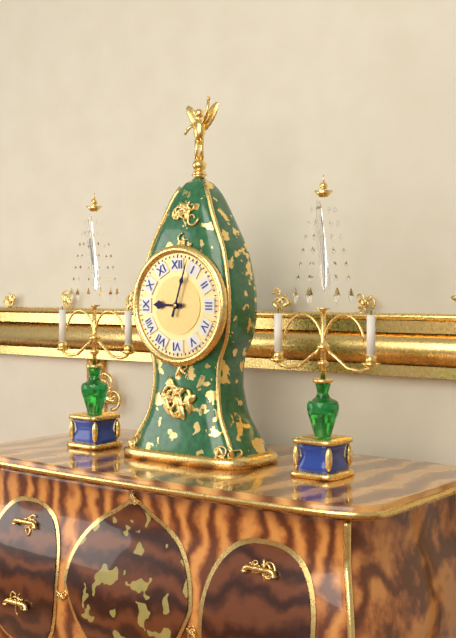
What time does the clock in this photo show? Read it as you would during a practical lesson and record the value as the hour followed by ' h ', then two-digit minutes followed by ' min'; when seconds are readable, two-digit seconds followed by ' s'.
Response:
9 h 03 min
